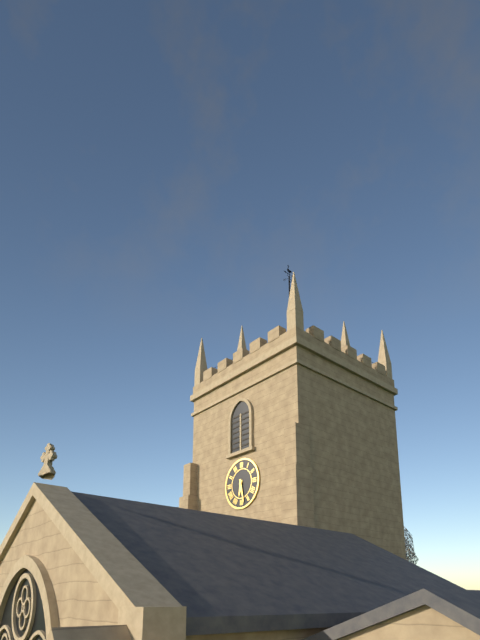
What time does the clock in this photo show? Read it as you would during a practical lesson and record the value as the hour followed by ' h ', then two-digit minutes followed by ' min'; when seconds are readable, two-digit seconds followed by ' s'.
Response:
6 h 28 min
